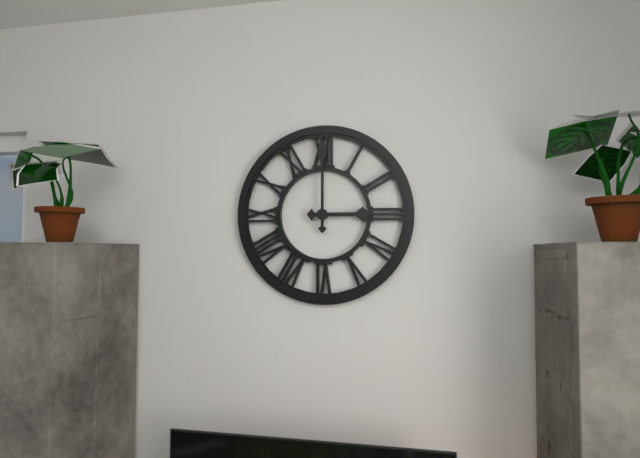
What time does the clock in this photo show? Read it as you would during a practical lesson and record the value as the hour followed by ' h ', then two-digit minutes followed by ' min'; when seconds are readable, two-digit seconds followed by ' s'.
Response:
3 h 00 min
